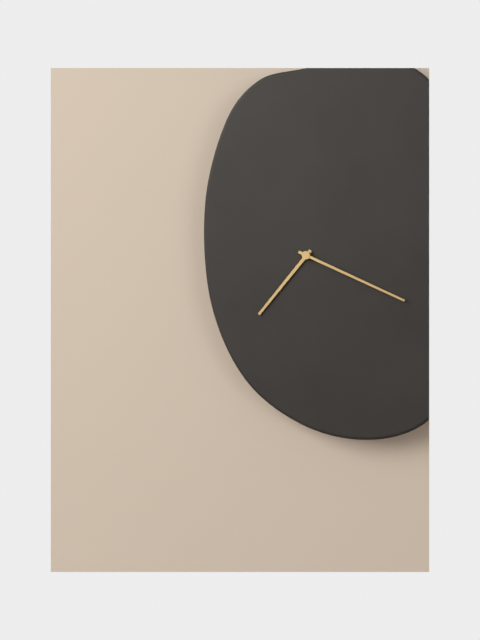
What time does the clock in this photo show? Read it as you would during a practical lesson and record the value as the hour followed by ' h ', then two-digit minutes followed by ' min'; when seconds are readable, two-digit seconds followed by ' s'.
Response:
7 h 19 min
